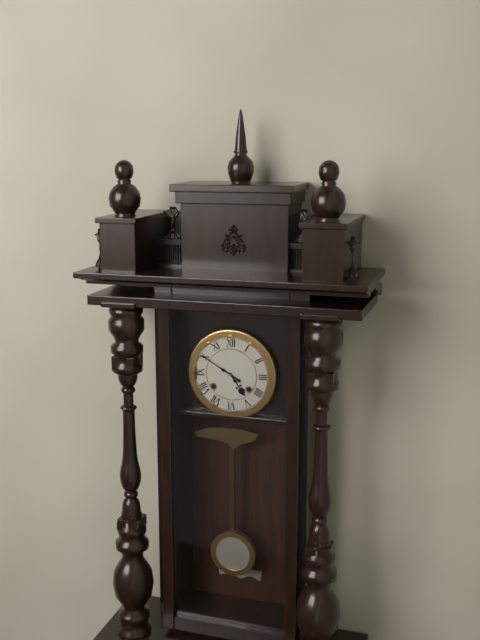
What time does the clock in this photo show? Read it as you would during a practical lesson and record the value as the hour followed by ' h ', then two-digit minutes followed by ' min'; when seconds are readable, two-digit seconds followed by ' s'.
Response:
4 h 50 min
